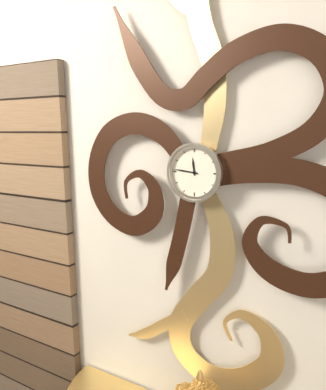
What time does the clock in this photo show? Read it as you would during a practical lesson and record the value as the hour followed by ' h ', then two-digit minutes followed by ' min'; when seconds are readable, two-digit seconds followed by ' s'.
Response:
11 h 46 min
